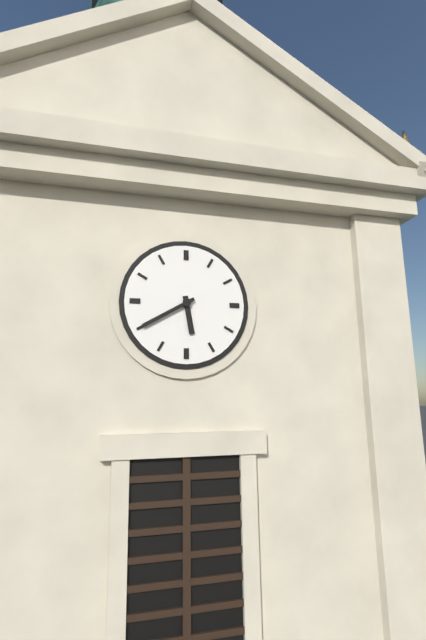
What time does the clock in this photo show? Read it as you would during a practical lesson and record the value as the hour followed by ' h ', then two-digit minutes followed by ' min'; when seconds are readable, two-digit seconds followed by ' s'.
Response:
5 h 40 min
